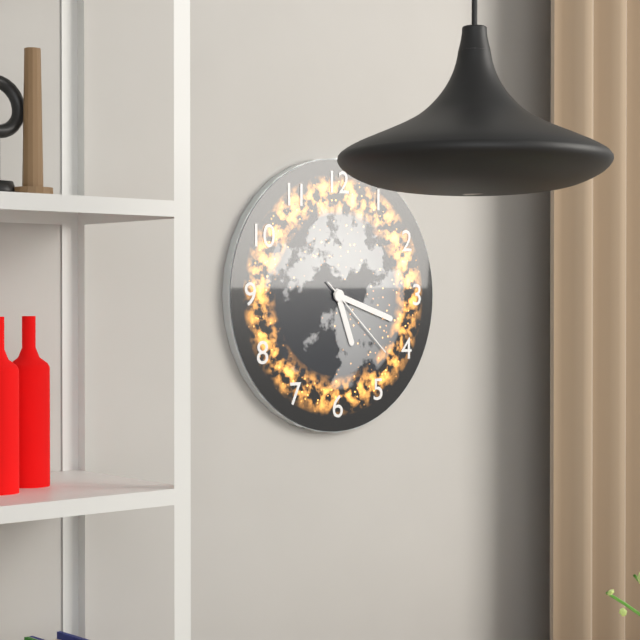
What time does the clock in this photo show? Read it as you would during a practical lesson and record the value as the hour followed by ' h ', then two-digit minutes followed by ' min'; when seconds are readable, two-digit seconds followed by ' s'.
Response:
5 h 18 min 22 s
